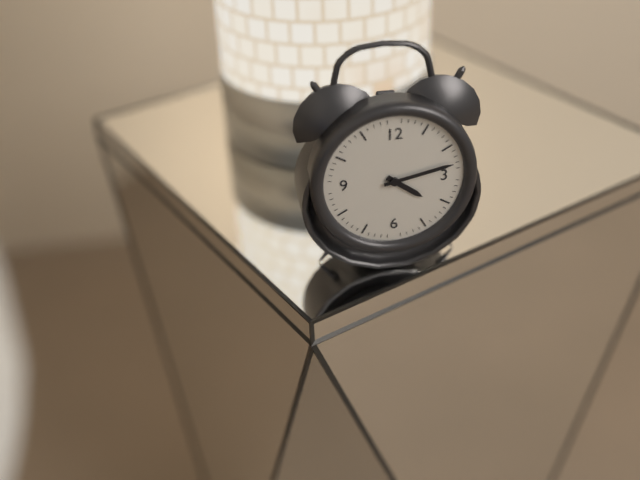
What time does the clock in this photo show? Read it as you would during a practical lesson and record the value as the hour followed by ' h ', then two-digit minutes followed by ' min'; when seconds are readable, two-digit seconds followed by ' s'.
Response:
4 h 13 min
